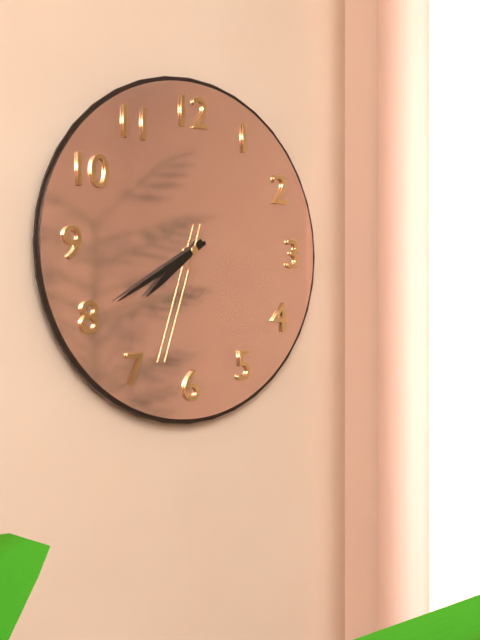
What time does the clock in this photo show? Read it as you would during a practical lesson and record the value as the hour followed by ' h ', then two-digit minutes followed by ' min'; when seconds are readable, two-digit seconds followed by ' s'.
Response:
7 h 40 min 33 s
